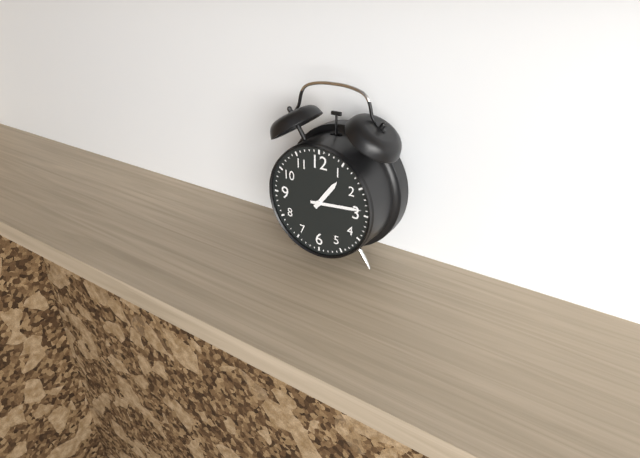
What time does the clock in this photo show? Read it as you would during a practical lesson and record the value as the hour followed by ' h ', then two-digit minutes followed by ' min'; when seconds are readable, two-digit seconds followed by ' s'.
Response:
1 h 14 min
